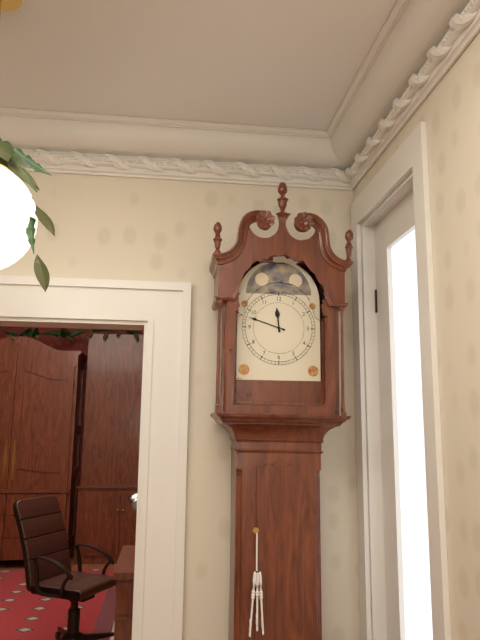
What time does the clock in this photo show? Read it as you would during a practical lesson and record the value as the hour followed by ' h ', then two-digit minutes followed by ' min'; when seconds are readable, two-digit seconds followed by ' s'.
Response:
11 h 48 min
